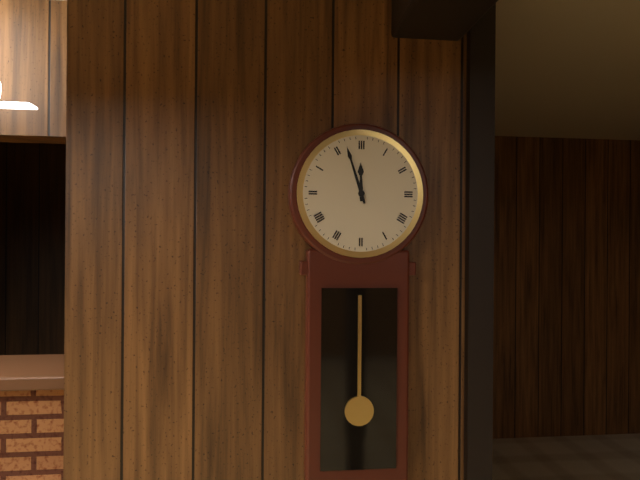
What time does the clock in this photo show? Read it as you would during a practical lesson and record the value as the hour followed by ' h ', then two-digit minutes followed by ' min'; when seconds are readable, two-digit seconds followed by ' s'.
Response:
11 h 57 min
